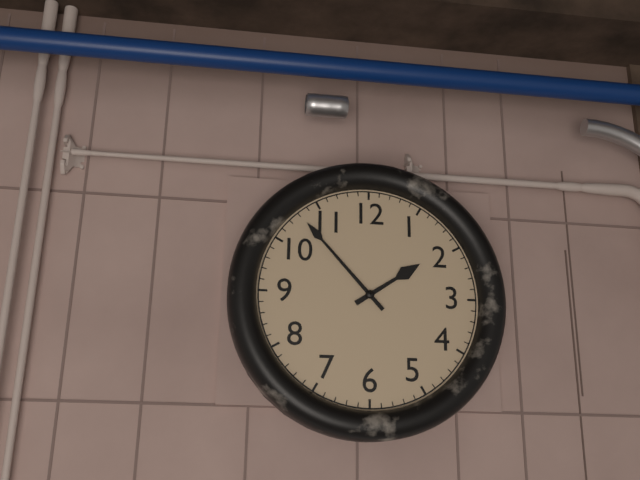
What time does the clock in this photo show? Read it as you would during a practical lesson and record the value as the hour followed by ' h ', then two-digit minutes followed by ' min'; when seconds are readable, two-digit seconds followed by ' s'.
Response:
1 h 53 min
